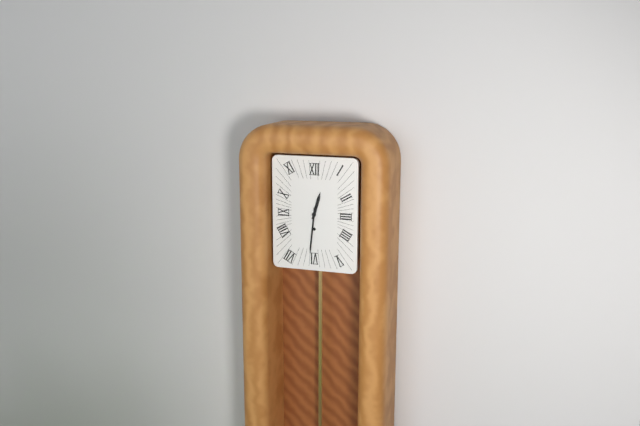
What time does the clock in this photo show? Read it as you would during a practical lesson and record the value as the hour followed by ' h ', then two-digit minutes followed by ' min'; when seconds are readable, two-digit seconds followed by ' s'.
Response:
12 h 31 min
